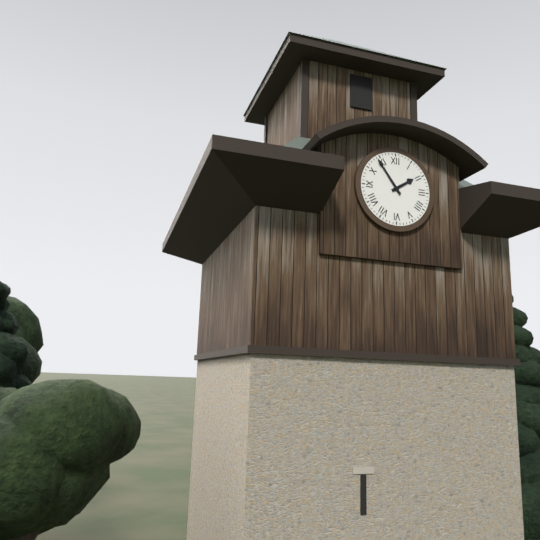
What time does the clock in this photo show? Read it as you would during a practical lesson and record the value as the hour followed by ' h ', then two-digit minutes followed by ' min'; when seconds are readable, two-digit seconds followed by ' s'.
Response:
1 h 54 min
